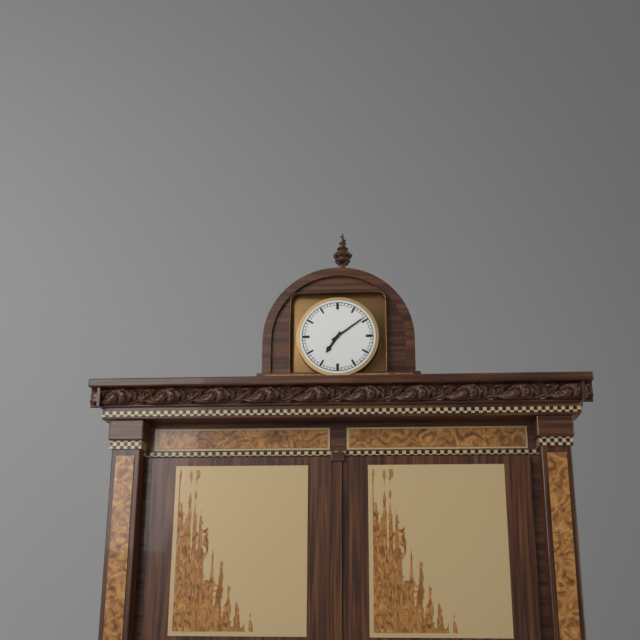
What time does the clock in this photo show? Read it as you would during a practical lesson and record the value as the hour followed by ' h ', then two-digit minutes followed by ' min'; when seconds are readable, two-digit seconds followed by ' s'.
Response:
7 h 09 min
